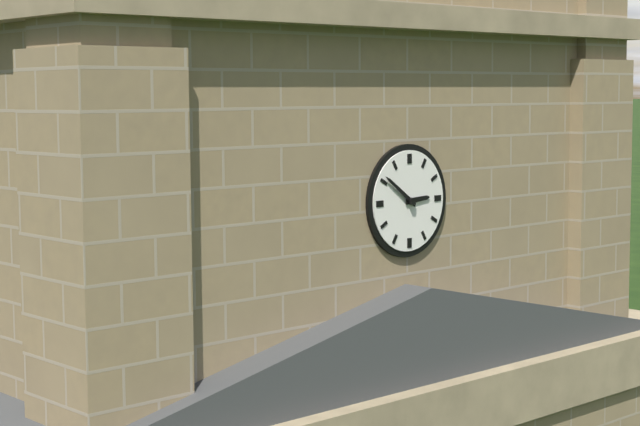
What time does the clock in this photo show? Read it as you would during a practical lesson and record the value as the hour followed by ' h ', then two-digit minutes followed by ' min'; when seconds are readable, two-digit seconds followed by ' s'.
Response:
2 h 51 min
